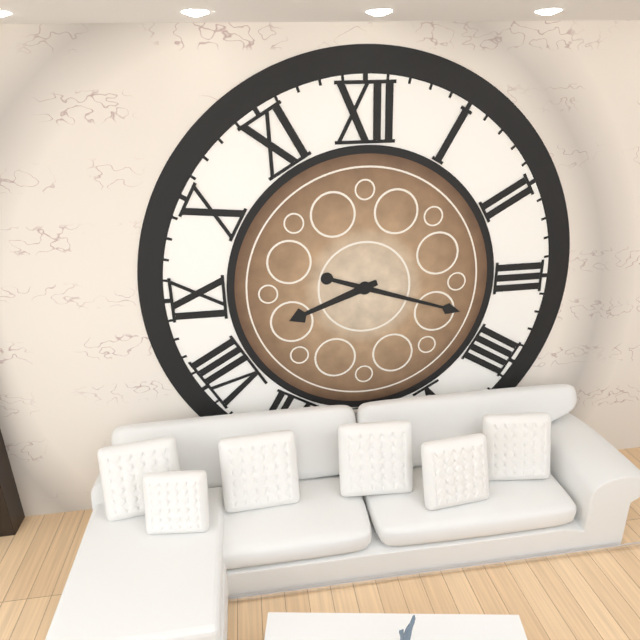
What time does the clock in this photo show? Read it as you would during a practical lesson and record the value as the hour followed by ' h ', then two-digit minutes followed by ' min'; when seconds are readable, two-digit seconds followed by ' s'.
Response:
8 h 18 min
